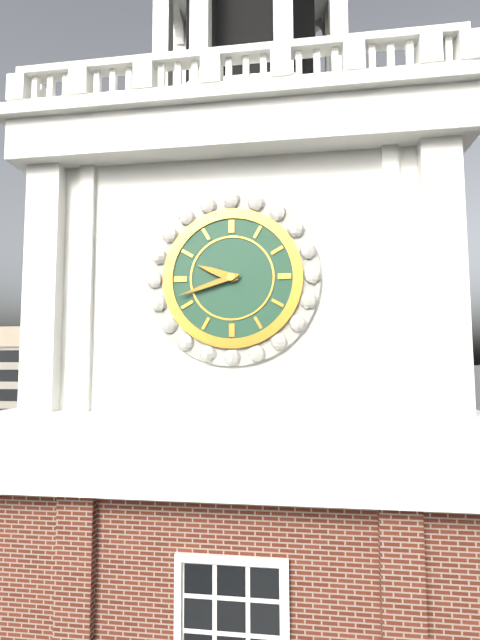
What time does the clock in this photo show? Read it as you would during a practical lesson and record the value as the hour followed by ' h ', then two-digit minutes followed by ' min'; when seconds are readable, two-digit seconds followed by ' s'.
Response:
9 h 42 min
